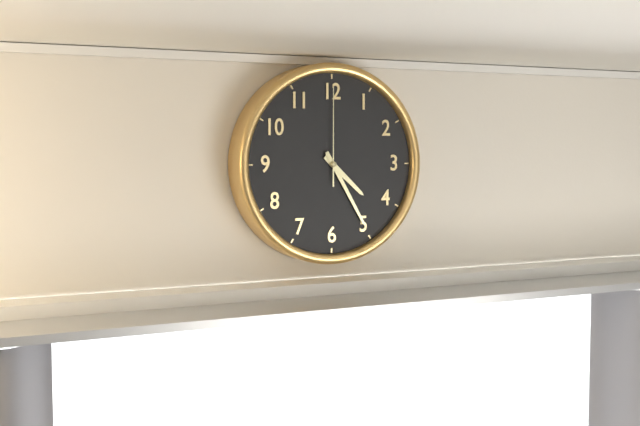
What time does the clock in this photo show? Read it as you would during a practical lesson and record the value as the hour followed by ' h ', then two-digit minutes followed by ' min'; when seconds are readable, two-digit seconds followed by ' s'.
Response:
4 h 25 min 00 s
